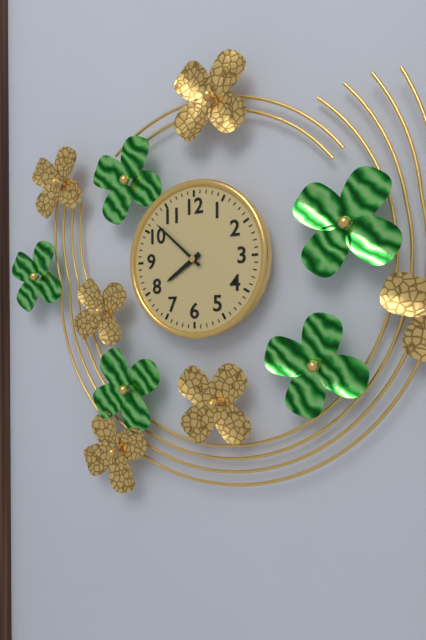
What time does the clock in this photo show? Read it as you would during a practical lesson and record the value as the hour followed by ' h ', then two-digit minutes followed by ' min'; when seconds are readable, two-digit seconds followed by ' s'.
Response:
7 h 52 min
